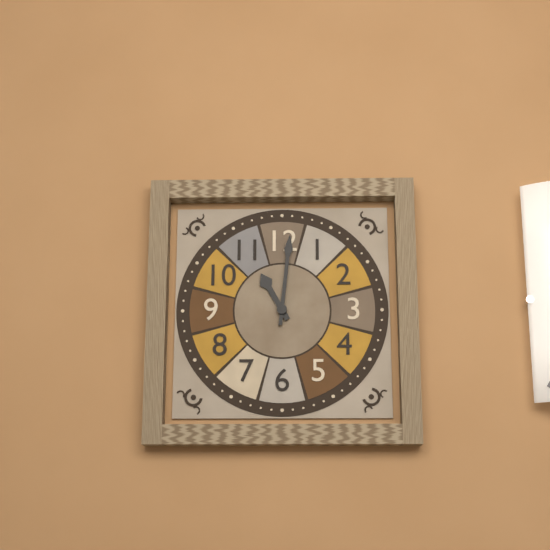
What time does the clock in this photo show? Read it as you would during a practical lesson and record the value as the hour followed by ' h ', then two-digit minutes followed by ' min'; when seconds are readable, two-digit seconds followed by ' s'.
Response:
11 h 01 min
